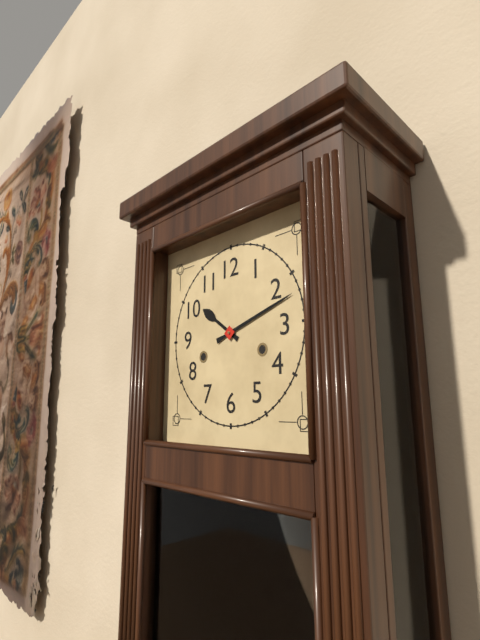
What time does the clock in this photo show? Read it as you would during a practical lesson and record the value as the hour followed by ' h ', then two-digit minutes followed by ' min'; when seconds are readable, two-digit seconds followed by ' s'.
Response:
10 h 12 min
